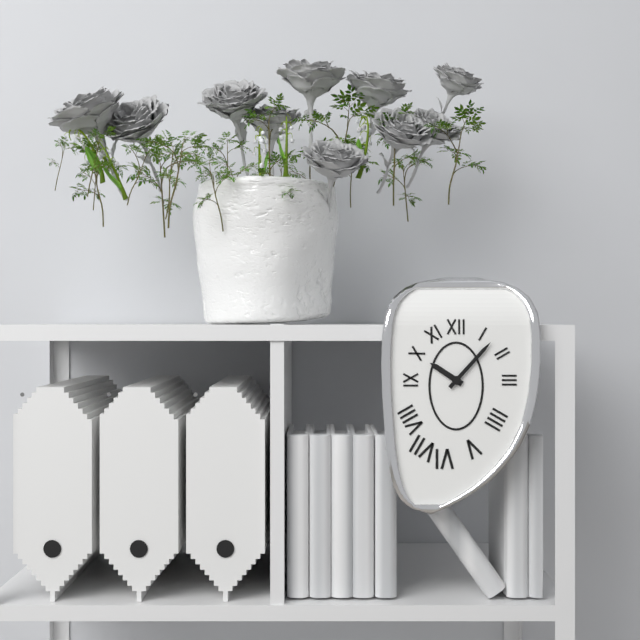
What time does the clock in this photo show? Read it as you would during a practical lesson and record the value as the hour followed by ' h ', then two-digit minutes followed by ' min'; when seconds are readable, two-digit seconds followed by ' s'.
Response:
10 h 07 min
